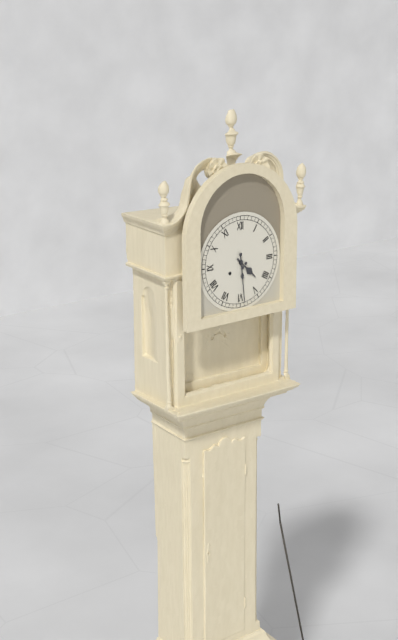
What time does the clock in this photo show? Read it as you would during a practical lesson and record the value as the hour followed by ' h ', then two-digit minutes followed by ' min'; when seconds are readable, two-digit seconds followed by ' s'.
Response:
4 h 29 min
